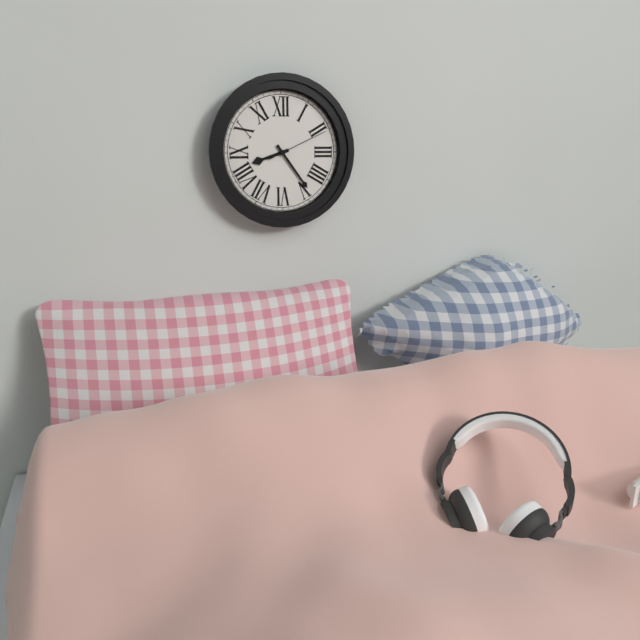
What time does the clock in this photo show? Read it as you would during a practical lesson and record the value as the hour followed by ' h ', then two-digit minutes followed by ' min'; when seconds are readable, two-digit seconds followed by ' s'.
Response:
8 h 24 min 11 s
